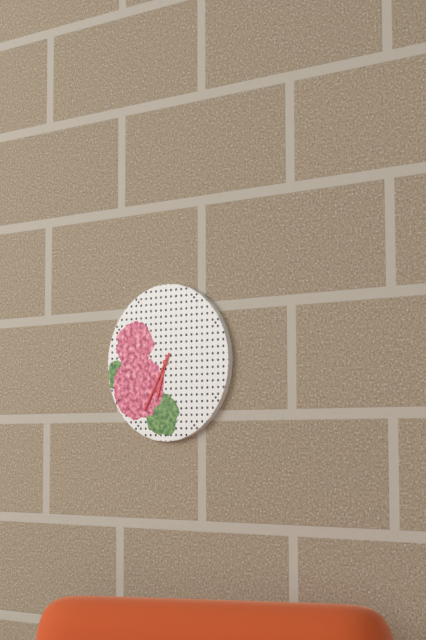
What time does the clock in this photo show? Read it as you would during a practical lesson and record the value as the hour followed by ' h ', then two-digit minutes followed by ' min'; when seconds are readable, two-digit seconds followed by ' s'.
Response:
6 h 35 min
